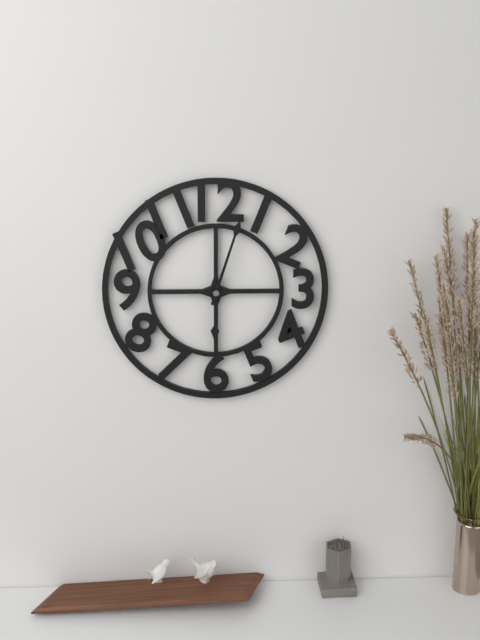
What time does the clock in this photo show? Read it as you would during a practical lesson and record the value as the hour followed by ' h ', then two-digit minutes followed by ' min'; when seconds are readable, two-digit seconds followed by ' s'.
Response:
6 h 03 min
